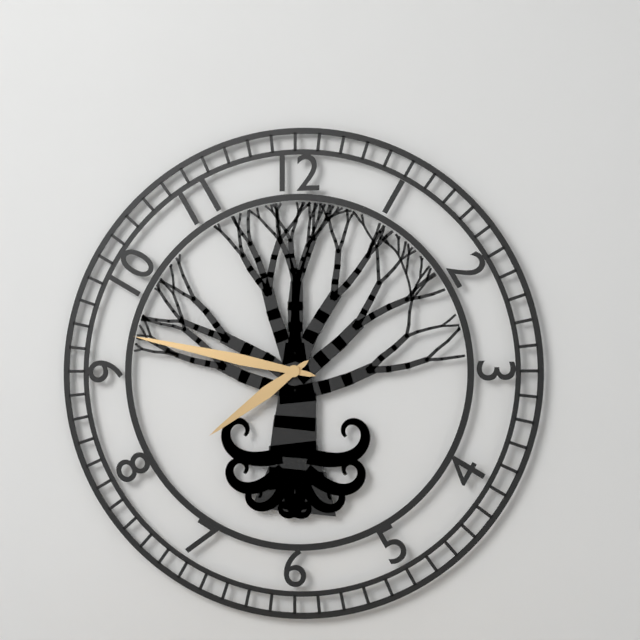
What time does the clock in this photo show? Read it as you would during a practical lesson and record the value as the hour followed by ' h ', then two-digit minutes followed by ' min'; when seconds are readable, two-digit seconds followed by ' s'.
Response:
7 h 47 min
